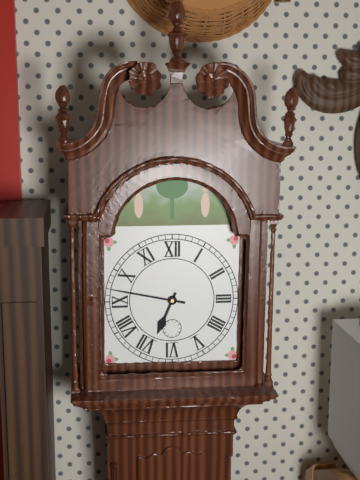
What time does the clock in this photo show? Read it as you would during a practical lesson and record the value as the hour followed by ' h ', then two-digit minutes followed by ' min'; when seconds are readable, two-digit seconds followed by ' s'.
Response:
6 h 47 min
